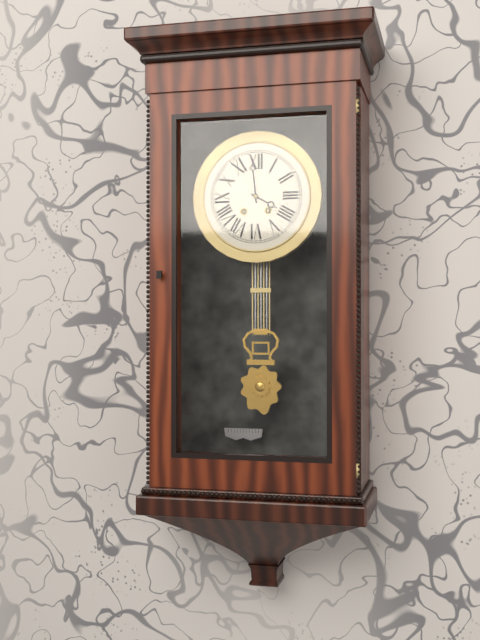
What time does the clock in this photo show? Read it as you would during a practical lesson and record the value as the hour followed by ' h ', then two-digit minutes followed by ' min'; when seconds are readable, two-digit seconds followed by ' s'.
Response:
3 h 59 min
